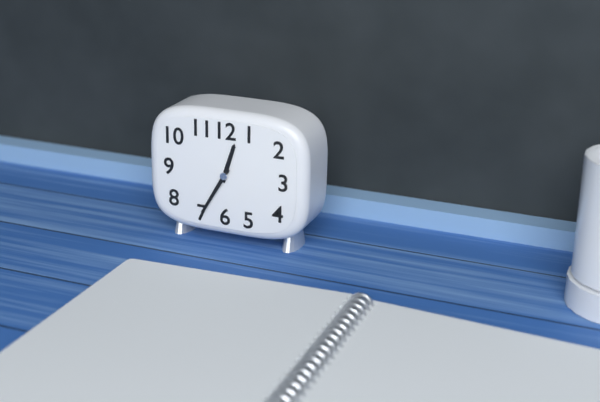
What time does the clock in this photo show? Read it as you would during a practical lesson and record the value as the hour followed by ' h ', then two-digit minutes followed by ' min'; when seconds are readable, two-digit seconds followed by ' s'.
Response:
12 h 35 min
